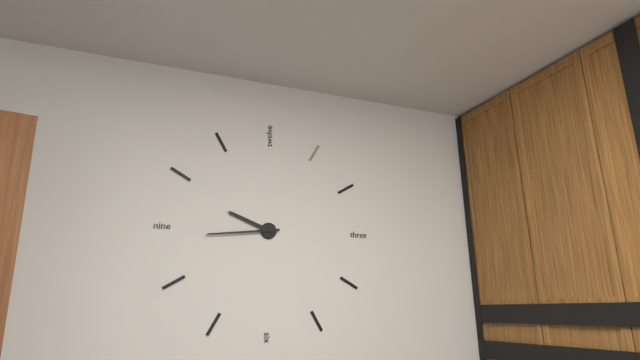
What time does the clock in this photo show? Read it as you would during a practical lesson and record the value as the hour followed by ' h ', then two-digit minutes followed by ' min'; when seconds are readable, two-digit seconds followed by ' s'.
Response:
9 h 44 min
